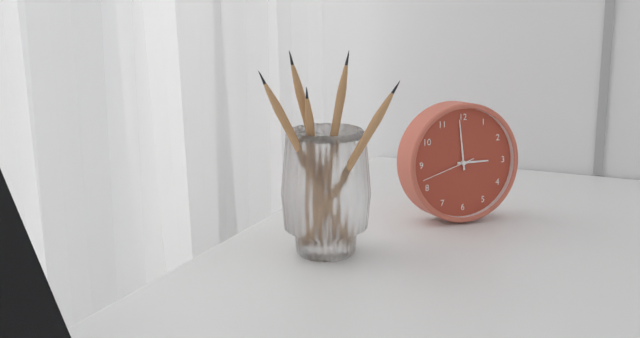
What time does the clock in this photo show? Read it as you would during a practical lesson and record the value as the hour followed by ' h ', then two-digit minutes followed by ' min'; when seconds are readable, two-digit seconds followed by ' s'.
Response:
2 h 59 min 42 s
